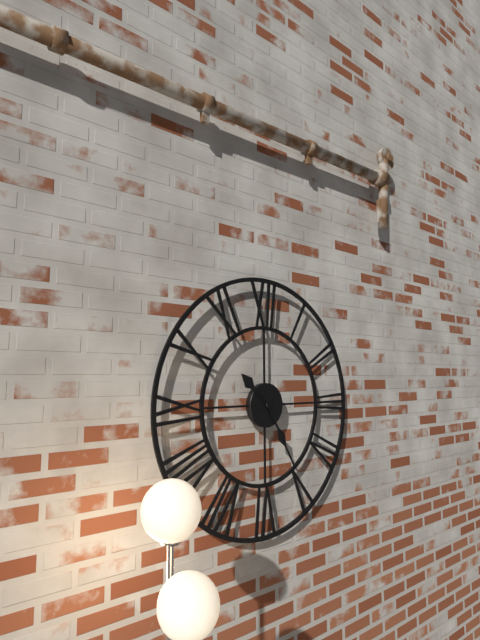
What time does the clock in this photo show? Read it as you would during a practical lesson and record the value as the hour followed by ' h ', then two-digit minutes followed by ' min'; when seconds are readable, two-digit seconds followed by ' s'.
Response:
10 h 25 min
